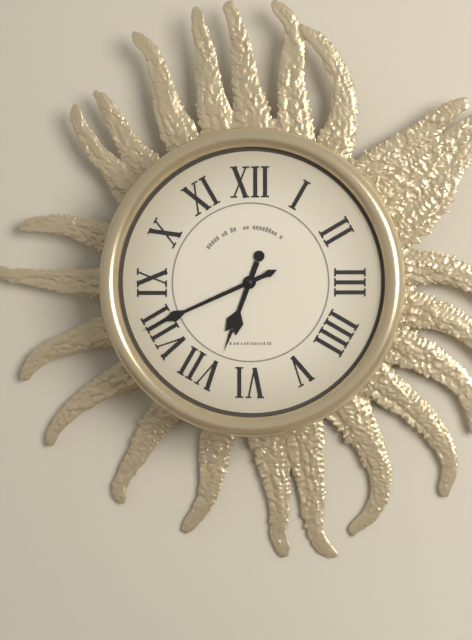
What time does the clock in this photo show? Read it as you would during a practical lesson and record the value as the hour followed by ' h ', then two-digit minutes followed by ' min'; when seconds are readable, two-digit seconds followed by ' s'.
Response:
6 h 41 min
